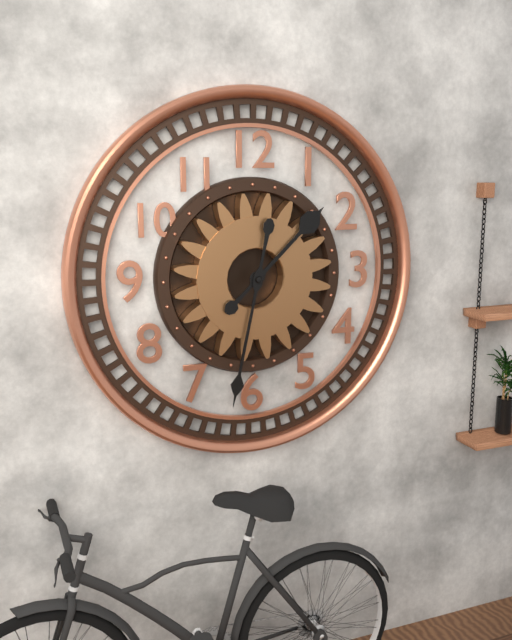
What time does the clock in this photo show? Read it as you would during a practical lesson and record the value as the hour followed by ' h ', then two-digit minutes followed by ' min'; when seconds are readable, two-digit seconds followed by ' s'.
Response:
1 h 32 min
